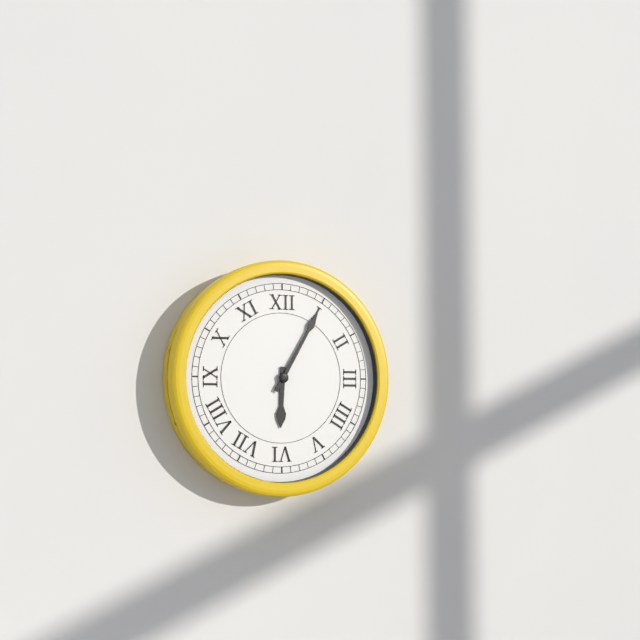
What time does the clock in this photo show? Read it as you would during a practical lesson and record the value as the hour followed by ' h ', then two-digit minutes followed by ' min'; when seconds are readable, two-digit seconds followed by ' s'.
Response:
6 h 05 min
